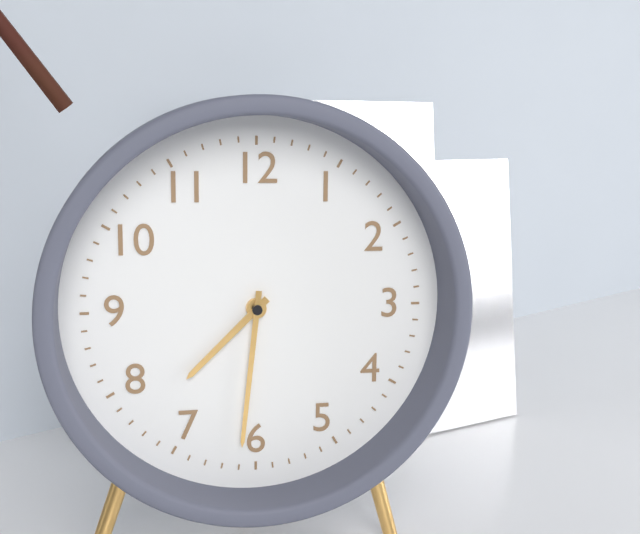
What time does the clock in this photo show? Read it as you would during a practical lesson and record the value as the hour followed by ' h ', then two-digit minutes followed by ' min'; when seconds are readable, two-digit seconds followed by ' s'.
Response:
7 h 31 min
